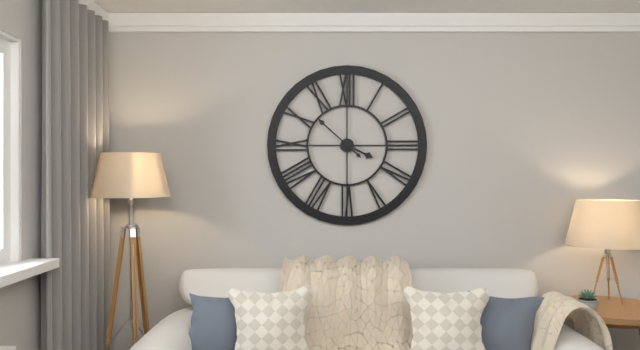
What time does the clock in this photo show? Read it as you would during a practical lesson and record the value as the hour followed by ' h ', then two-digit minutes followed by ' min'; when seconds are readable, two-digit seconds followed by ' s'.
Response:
3 h 52 min
